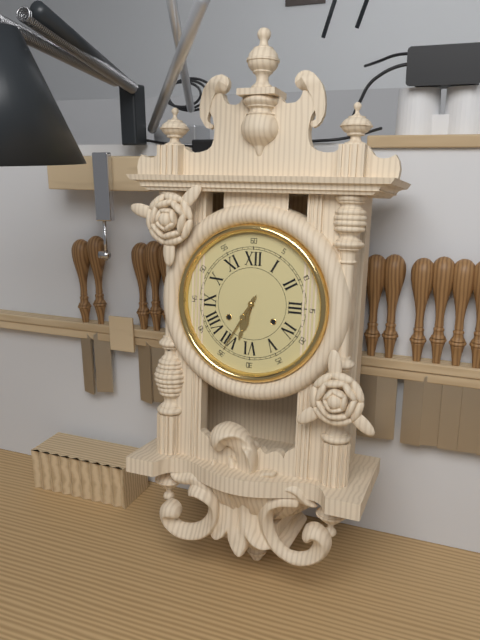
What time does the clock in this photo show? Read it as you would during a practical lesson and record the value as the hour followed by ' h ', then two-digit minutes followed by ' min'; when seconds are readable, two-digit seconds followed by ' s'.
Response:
6 h 35 min
